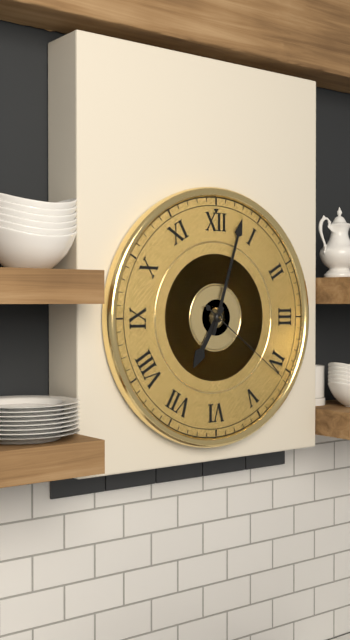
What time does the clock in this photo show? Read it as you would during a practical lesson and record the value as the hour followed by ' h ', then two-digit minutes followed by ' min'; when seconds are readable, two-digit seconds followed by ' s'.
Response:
7 h 03 min 21 s
